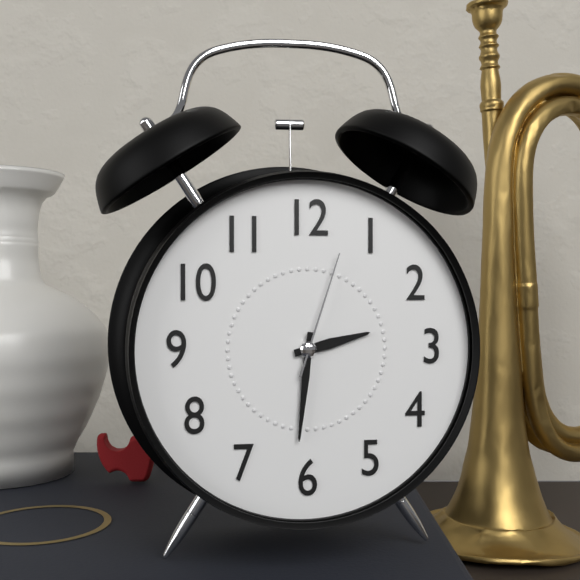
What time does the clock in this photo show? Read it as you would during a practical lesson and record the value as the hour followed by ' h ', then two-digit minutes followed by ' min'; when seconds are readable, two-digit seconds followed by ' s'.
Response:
2 h 31 min 03 s
